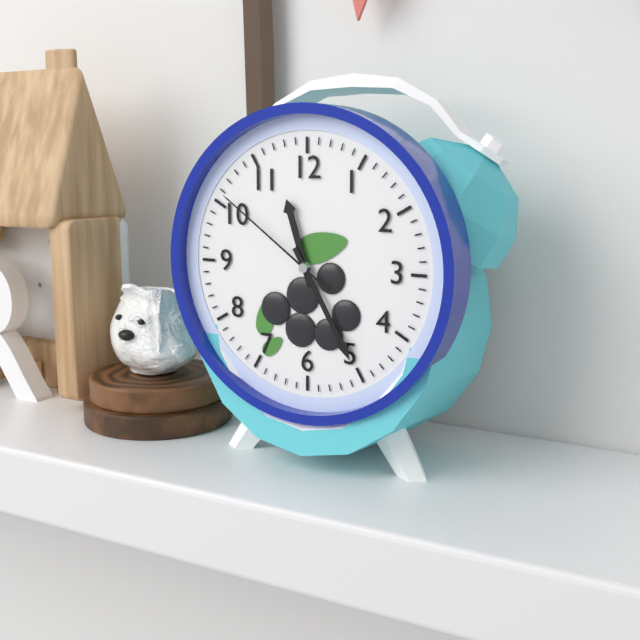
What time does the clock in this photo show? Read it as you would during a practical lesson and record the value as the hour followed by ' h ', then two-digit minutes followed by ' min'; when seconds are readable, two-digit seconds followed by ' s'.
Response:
11 h 25 min 51 s
